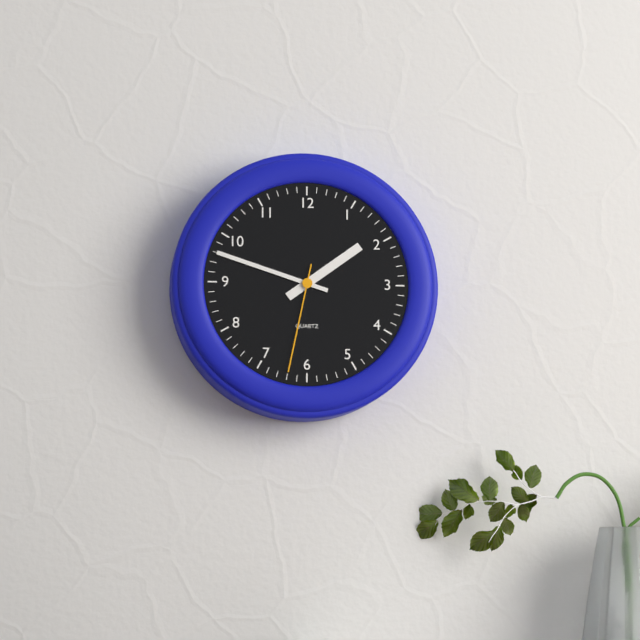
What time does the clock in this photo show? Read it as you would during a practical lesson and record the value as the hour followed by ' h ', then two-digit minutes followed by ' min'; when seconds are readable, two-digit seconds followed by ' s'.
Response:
1 h 48 min 32 s
